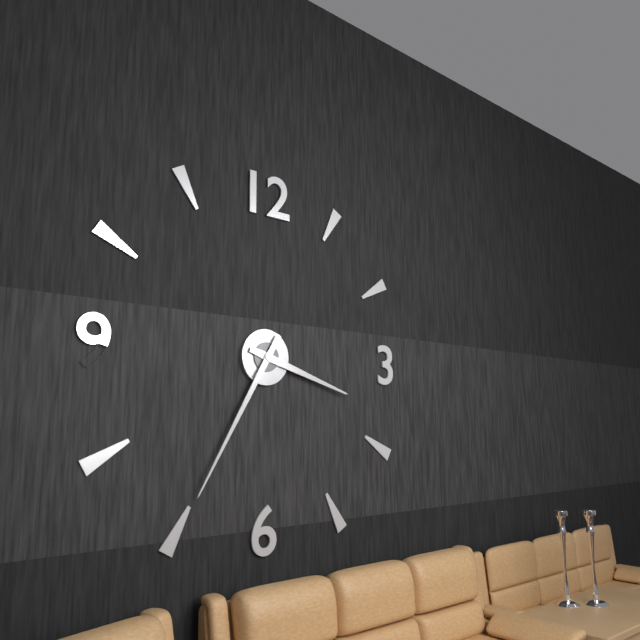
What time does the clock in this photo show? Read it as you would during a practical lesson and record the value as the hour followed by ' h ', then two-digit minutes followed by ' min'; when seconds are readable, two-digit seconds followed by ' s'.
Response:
3 h 35 min
